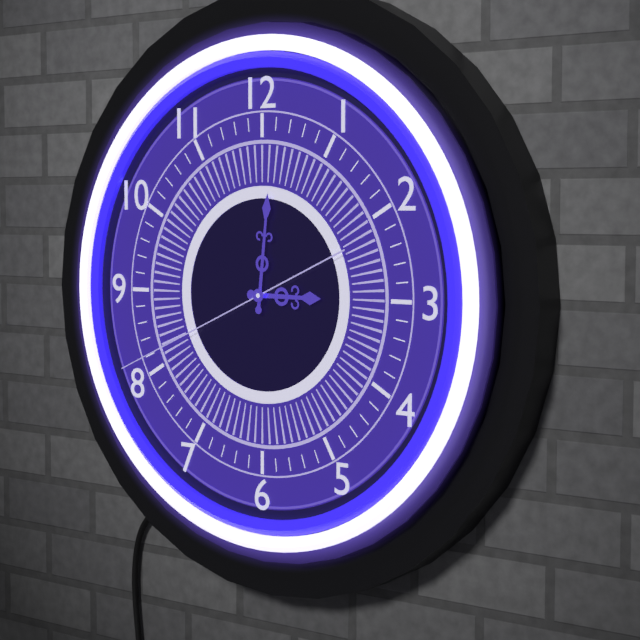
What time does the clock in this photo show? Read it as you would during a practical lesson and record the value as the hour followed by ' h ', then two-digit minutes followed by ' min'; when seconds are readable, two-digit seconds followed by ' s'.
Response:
3 h 01 min 41 s
